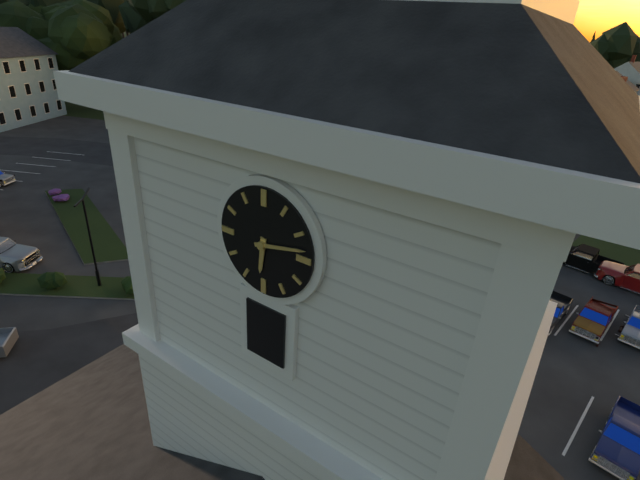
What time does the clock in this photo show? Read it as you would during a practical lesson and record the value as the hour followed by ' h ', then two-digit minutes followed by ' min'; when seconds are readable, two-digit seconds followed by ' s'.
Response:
6 h 13 min
